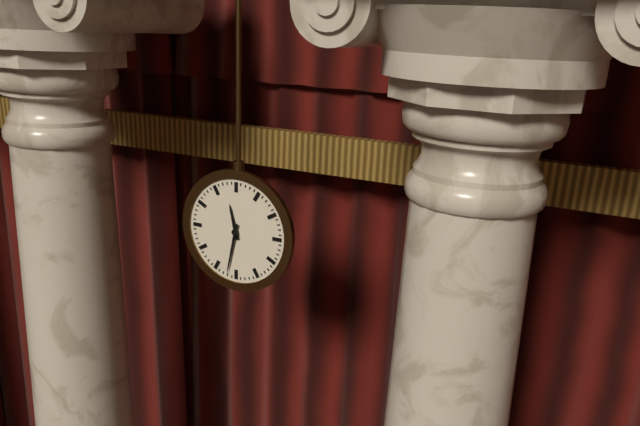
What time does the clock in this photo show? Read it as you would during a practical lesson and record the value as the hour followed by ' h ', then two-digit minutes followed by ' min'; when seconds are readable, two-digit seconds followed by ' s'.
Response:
11 h 32 min
